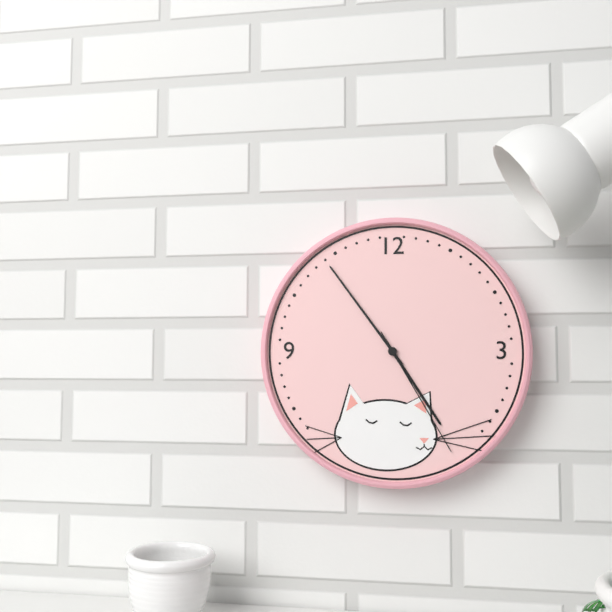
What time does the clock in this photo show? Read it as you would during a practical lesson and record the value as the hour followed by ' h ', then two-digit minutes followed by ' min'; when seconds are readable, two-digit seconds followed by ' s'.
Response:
4 h 54 min 25 s
